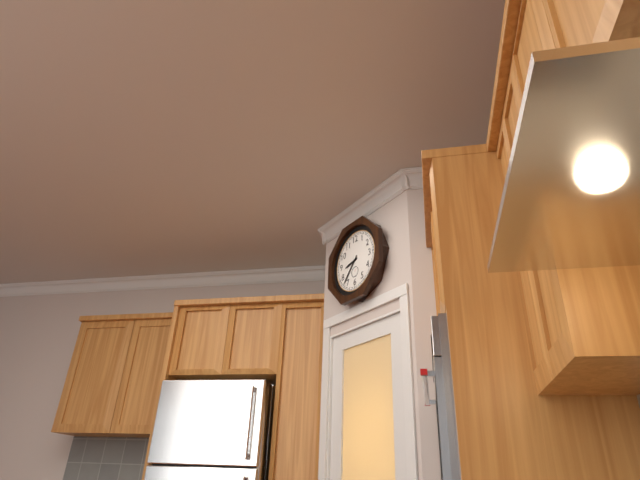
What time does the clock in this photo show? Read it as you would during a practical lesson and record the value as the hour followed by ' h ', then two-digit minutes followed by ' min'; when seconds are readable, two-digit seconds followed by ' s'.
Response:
8 h 37 min
